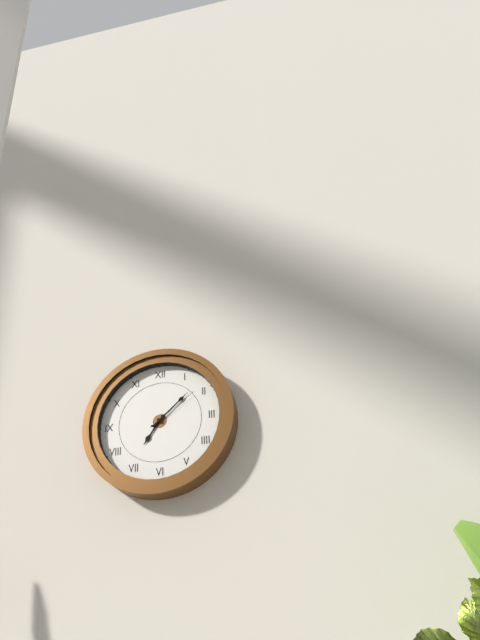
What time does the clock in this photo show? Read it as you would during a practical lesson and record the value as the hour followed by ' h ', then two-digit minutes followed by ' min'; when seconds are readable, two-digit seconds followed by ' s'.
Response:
7 h 08 min 09 s
